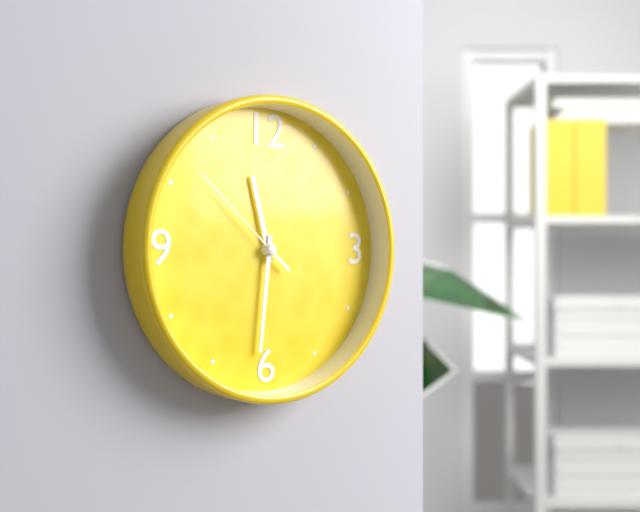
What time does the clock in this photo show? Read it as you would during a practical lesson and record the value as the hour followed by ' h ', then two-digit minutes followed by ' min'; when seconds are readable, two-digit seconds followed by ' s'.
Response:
11 h 31 min 52 s
